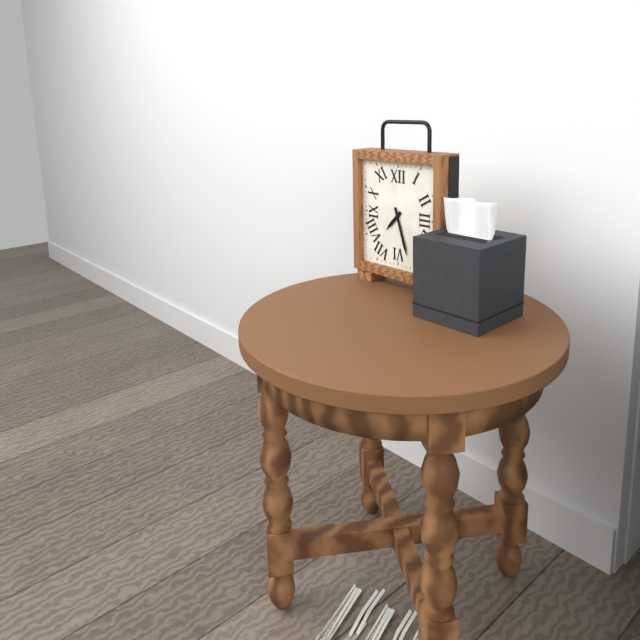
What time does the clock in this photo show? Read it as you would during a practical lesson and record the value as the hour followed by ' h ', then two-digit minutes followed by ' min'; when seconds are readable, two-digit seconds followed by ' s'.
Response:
7 h 27 min
